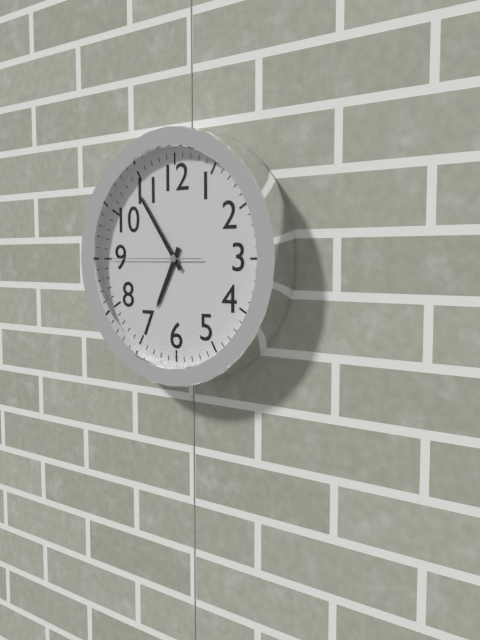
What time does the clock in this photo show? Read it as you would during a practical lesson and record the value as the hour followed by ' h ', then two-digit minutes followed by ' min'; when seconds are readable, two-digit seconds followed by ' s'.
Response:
6 h 54 min 45 s
